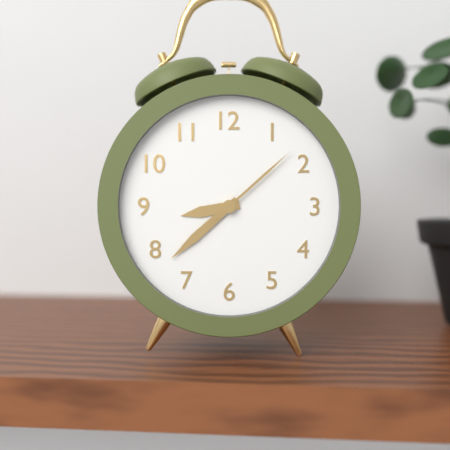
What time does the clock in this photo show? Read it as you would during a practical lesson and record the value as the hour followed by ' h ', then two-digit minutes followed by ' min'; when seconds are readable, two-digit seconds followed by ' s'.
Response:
8 h 38 min 08 s
